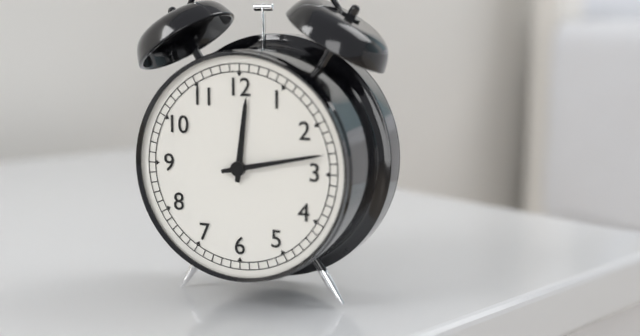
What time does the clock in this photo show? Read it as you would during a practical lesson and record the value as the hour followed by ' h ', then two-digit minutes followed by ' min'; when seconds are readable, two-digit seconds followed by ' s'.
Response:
12 h 13 min
